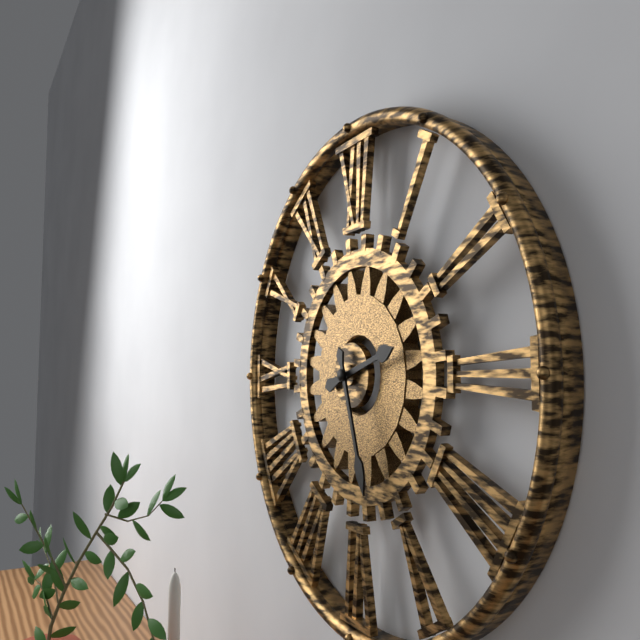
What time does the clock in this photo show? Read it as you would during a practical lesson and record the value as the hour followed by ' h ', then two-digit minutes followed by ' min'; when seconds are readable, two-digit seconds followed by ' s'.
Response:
2 h 27 min
